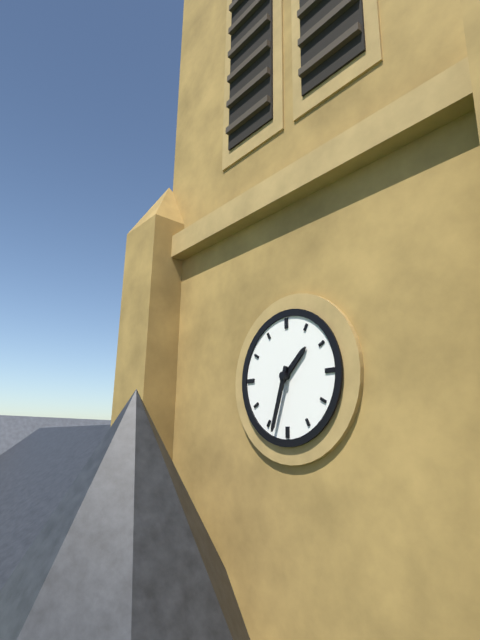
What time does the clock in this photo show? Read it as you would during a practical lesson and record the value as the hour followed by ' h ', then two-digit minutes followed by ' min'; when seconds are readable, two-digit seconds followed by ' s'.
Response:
1 h 33 min
